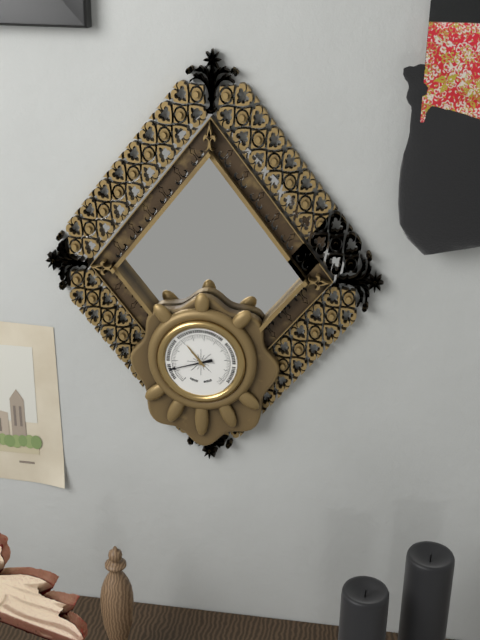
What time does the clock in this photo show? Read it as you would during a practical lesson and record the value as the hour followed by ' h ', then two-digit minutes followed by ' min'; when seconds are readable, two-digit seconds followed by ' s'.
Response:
10 h 42 min
